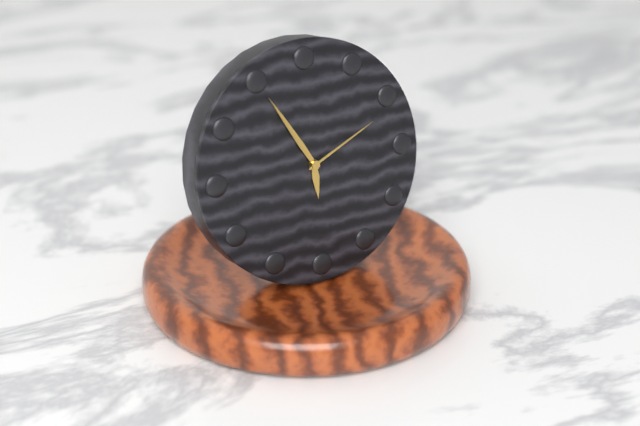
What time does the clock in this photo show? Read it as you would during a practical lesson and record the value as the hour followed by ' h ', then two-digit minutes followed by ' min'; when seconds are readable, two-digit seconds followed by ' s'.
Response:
5 h 55 min 11 s
